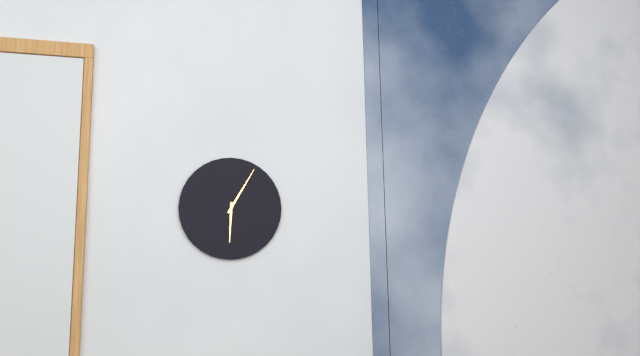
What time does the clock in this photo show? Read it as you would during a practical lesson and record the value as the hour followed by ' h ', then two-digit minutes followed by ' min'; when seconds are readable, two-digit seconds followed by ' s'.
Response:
6 h 05 min
